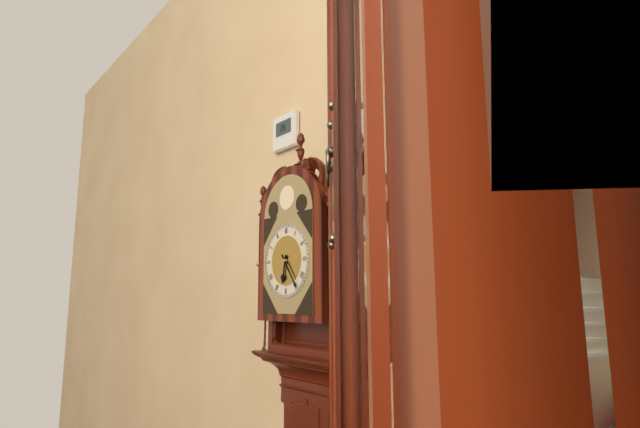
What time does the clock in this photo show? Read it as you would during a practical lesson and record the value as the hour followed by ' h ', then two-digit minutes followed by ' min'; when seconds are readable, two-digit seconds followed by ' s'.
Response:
6 h 24 min
